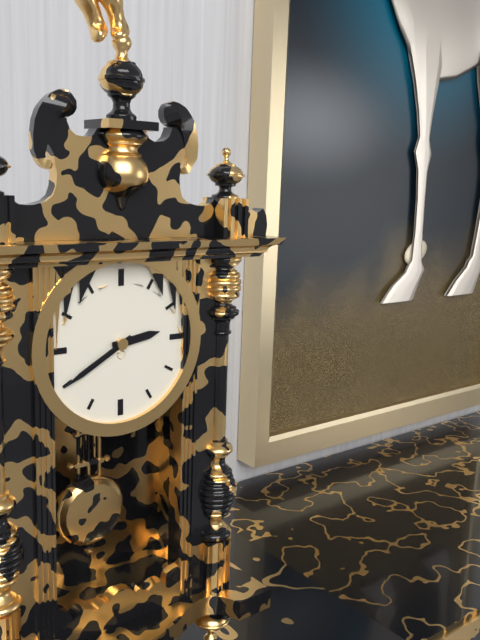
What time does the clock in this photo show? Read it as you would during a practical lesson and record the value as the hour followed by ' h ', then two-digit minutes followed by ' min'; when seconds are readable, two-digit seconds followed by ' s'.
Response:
2 h 40 min
